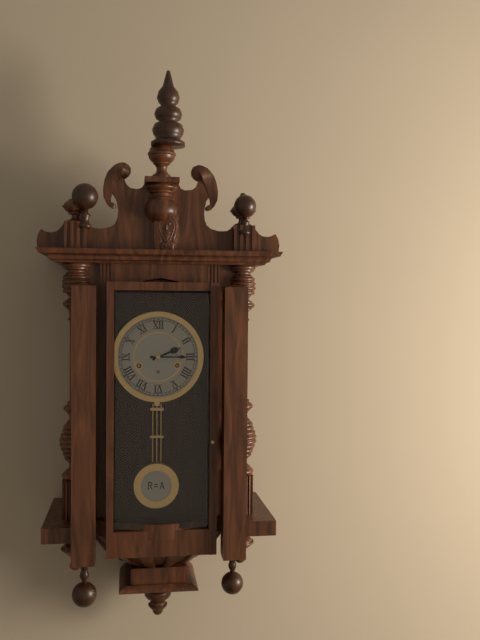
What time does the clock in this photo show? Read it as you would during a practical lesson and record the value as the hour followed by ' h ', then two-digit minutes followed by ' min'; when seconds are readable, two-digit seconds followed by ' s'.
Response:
2 h 15 min
